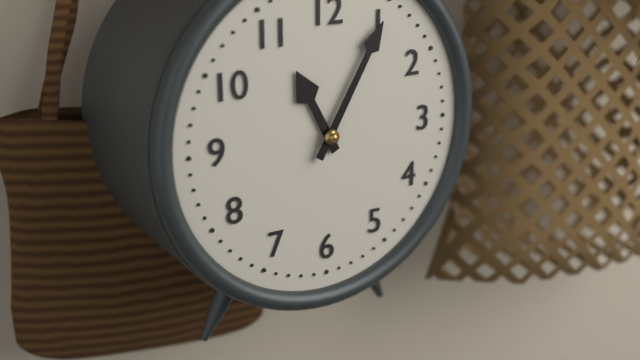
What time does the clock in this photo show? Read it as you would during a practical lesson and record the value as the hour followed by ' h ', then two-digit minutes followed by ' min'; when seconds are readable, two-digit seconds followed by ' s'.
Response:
11 h 05 min
